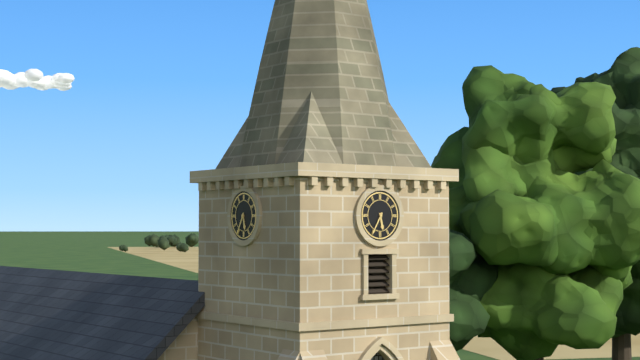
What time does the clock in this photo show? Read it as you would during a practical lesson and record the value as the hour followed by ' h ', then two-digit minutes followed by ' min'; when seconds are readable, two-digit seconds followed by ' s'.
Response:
5 h 35 min
